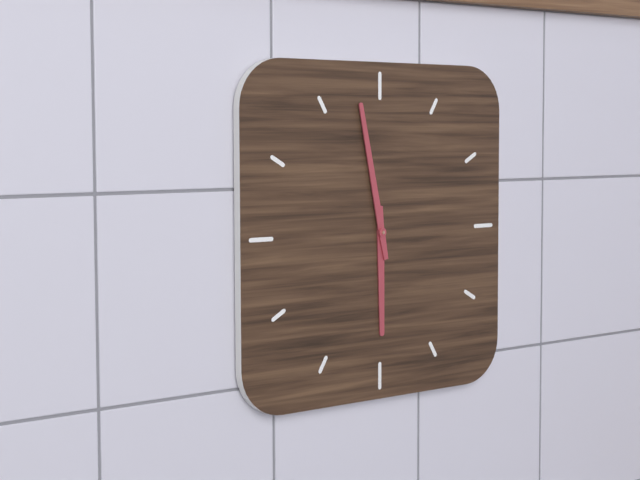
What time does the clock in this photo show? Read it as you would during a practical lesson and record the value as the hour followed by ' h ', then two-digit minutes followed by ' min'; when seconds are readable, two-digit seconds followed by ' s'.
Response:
5 h 58 min
